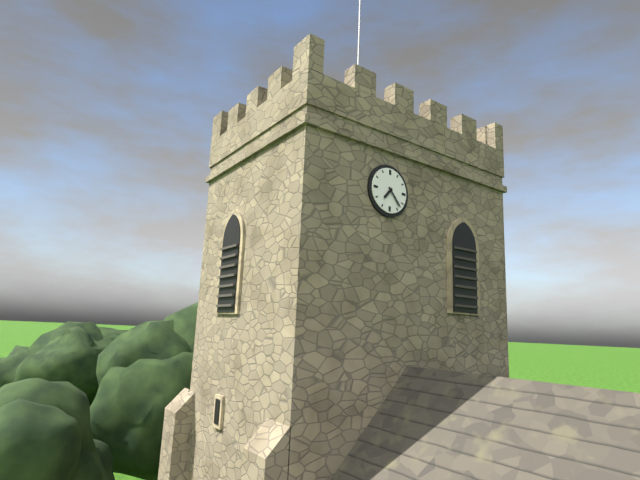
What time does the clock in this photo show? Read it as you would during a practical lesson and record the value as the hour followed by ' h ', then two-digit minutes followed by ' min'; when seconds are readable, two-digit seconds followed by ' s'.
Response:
7 h 23 min
